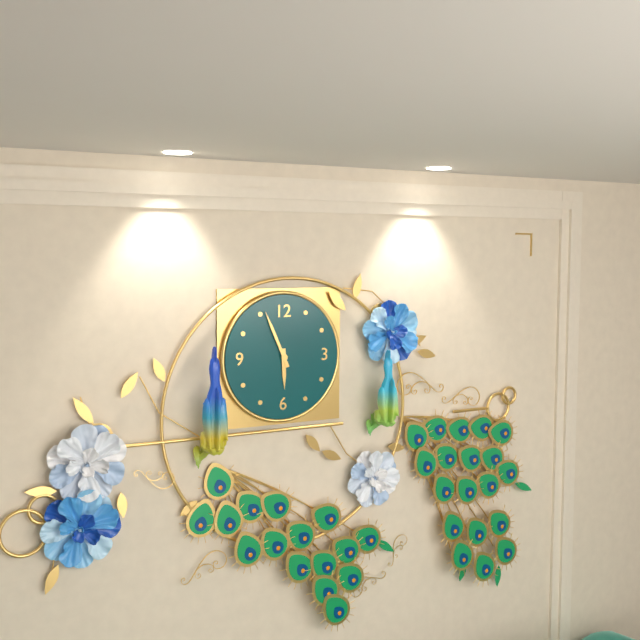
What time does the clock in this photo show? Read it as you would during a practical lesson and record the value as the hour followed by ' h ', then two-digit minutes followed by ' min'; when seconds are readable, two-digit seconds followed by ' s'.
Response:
5 h 56 min
